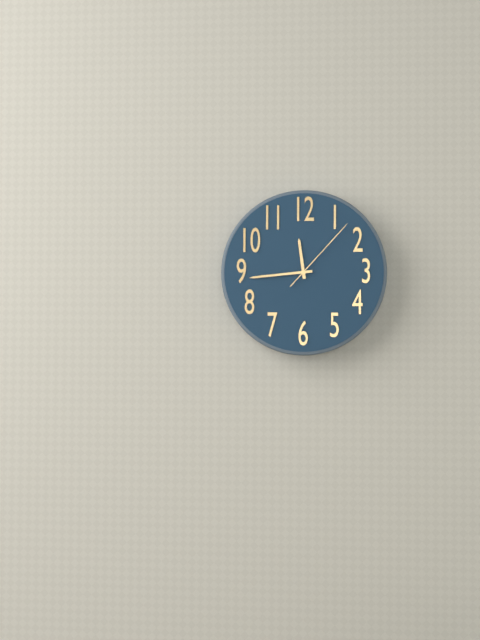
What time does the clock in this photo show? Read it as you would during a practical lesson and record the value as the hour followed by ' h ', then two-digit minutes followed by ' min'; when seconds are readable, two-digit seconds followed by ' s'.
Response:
11 h 44 min 07 s
